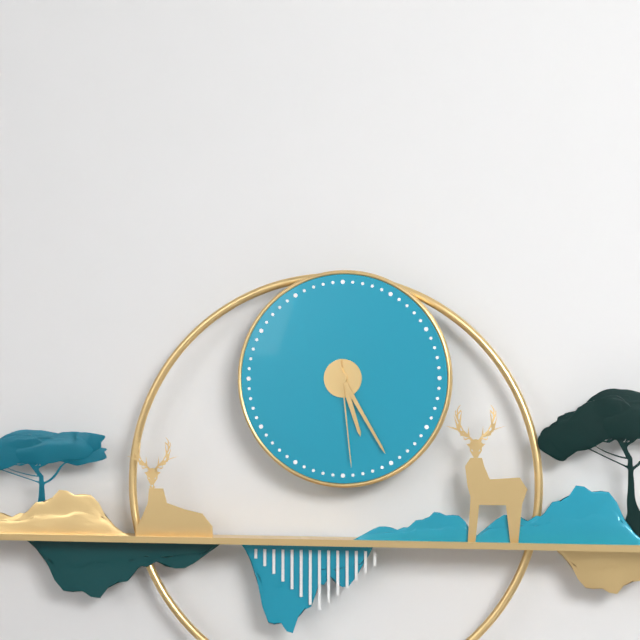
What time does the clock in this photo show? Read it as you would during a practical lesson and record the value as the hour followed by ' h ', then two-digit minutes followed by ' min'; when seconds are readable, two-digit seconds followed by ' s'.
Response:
5 h 25 min 29 s
